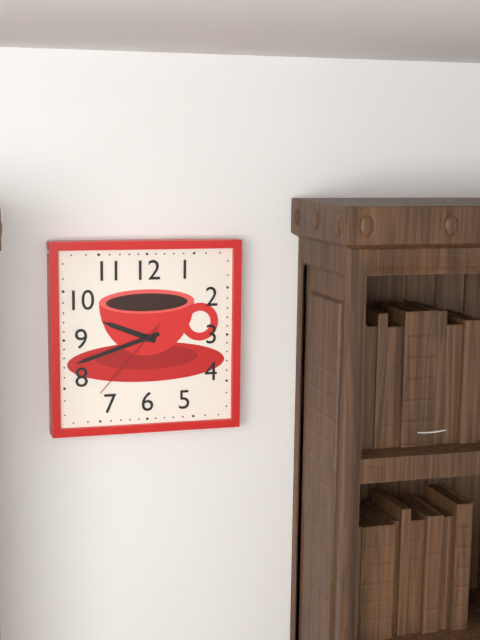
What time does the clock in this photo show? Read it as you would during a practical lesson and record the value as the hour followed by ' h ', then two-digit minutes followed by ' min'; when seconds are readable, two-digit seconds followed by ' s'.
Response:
9 h 42 min 37 s
